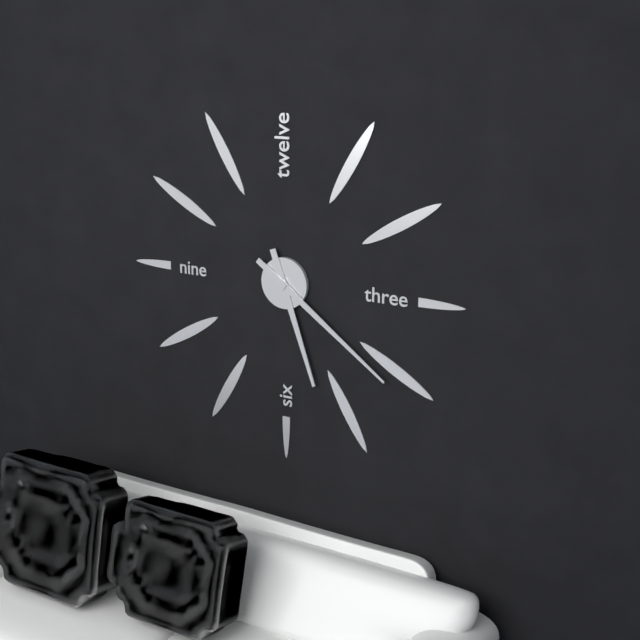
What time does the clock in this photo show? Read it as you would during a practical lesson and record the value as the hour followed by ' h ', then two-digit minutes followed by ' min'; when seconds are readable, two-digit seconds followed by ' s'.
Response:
5 h 21 min
